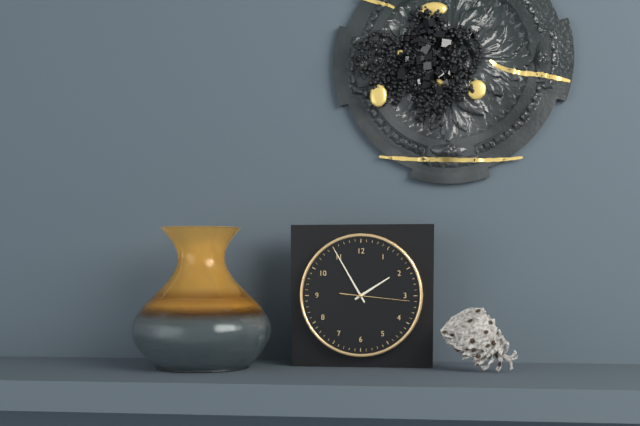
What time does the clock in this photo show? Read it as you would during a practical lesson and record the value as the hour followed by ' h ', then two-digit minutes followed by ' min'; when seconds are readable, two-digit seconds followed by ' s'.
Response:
1 h 55 min 16 s
